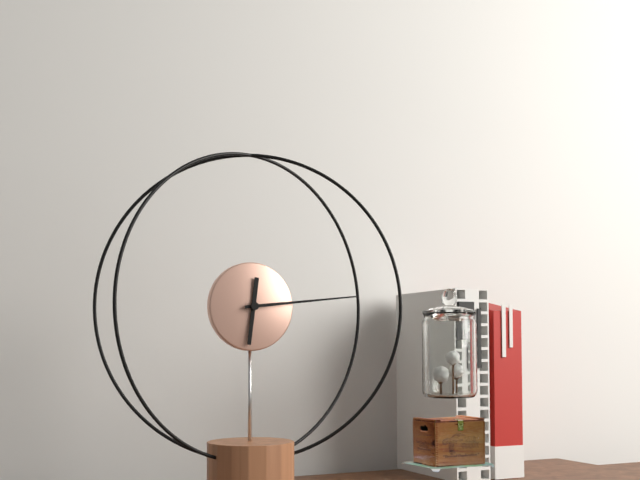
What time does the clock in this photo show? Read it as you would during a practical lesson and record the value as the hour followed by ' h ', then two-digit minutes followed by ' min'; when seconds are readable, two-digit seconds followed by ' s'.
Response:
6 h 14 min
